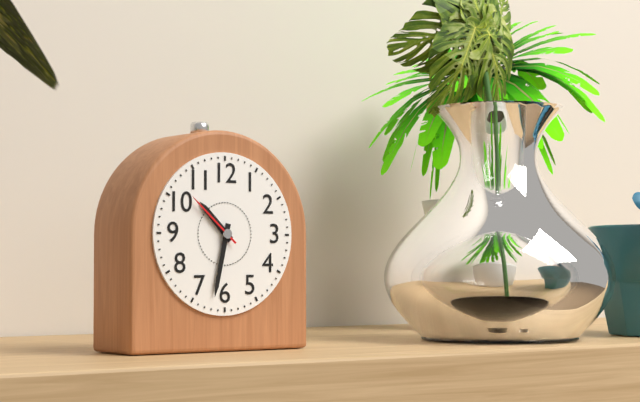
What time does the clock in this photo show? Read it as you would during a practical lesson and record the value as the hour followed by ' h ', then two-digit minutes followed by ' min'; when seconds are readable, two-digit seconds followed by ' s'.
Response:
10 h 32 min 52 s
